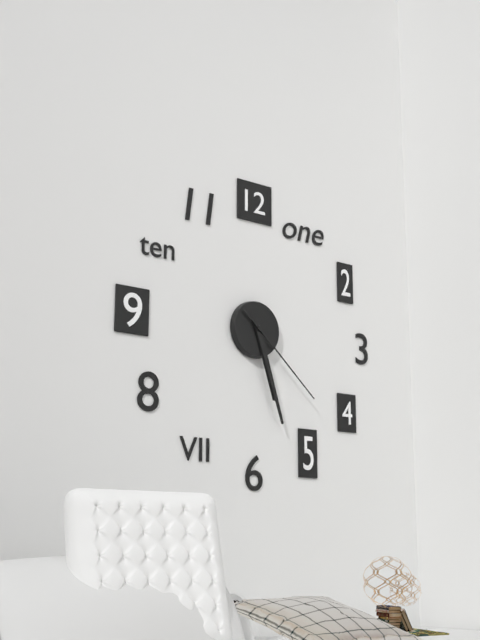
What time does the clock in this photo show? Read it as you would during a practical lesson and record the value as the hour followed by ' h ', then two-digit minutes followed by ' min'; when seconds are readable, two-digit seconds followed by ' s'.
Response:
5 h 27 min 22 s
